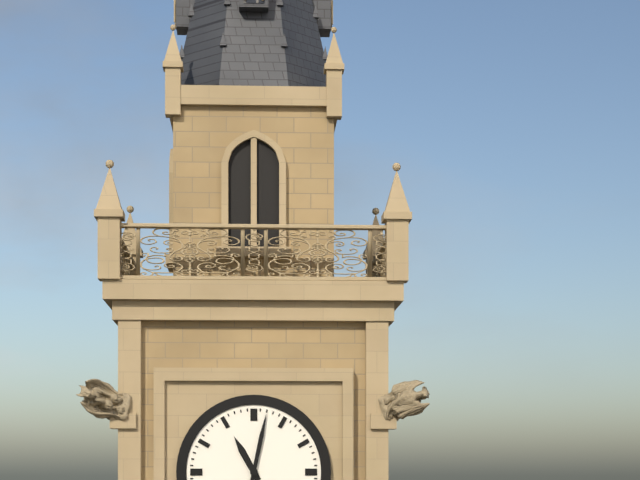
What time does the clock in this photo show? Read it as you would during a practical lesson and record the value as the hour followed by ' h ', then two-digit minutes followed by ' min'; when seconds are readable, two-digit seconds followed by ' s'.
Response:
11 h 02 min
